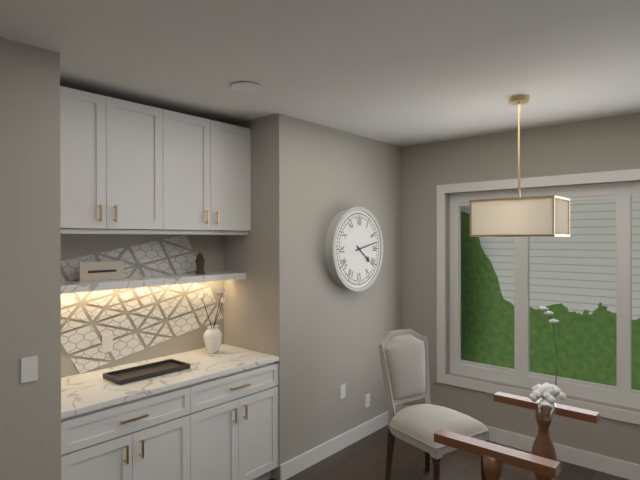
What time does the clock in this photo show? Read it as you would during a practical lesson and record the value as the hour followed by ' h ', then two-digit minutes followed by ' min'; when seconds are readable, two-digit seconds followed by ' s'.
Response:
4 h 13 min
